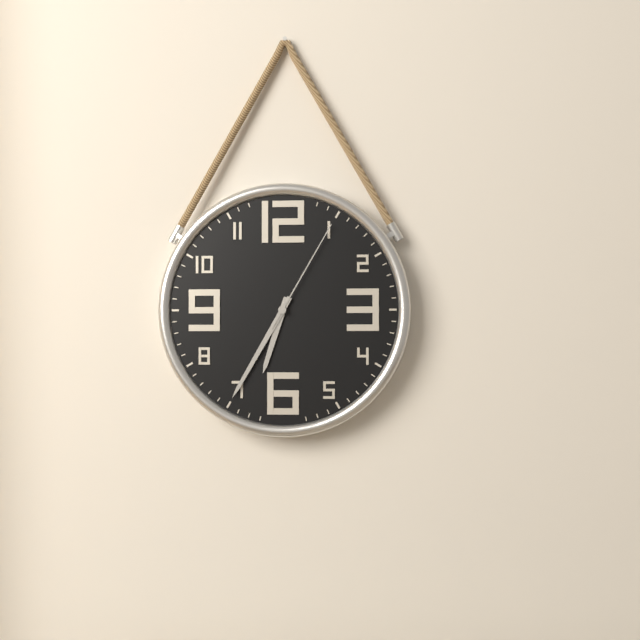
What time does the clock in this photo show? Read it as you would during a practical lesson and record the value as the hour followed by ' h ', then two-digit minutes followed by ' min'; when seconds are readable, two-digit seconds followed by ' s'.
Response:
6 h 35 min 05 s
